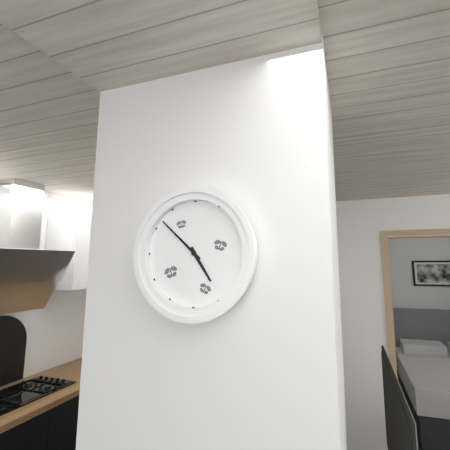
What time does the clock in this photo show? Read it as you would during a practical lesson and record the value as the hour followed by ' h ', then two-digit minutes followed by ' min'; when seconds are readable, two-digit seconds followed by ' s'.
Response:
4 h 52 min
